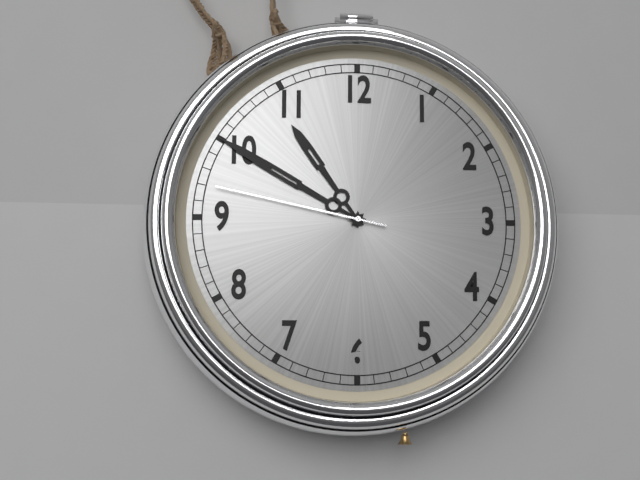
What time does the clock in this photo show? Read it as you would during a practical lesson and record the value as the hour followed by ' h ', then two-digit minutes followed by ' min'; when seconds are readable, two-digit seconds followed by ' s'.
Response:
10 h 50 min 47 s
